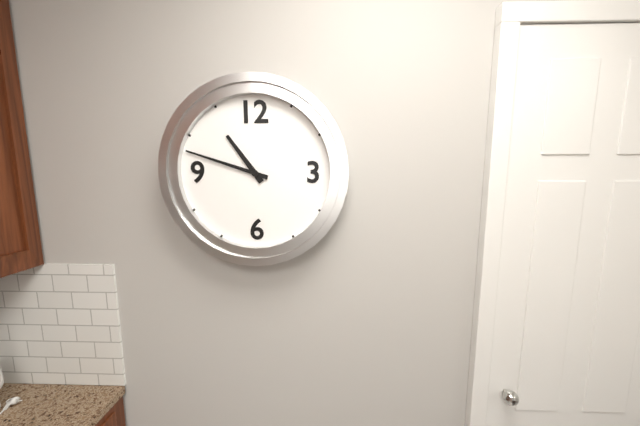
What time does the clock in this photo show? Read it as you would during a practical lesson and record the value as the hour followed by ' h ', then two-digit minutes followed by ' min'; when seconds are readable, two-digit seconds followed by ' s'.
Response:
10 h 48 min
